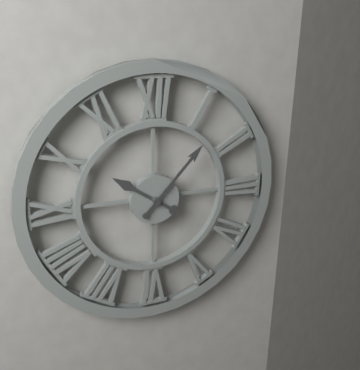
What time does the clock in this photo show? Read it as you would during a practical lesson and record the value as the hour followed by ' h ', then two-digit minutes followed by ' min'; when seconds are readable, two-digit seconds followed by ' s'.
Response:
10 h 07 min
